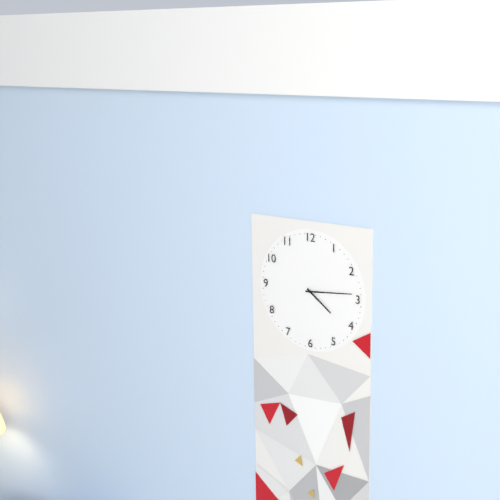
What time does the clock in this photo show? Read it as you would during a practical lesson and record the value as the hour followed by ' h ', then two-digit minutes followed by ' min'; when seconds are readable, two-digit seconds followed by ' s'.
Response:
4 h 14 min
